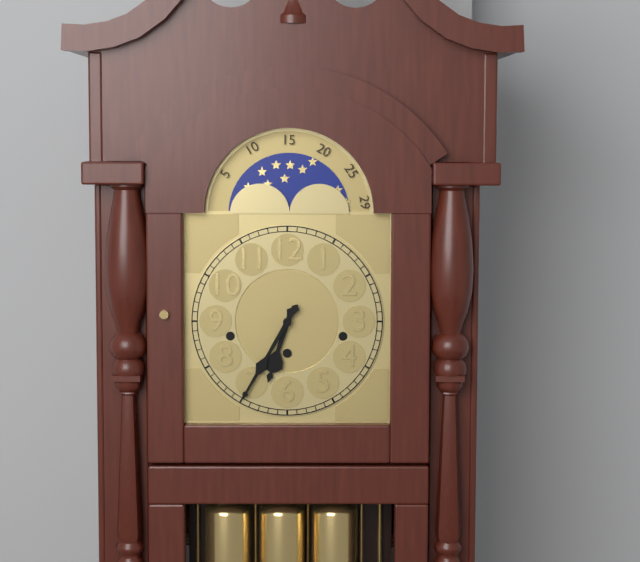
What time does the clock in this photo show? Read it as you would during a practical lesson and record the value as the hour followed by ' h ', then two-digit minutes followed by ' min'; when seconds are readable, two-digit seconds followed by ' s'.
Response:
6 h 35 min
